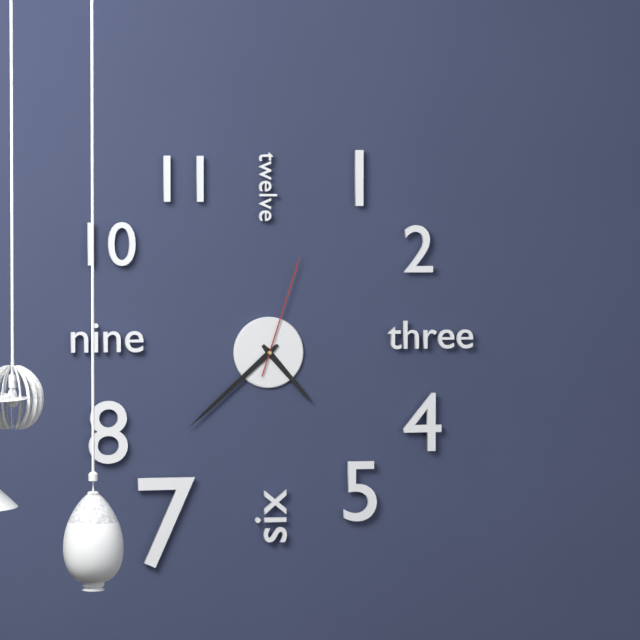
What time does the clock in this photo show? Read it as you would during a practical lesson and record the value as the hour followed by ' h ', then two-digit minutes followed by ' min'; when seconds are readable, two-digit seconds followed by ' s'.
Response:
4 h 38 min 03 s
